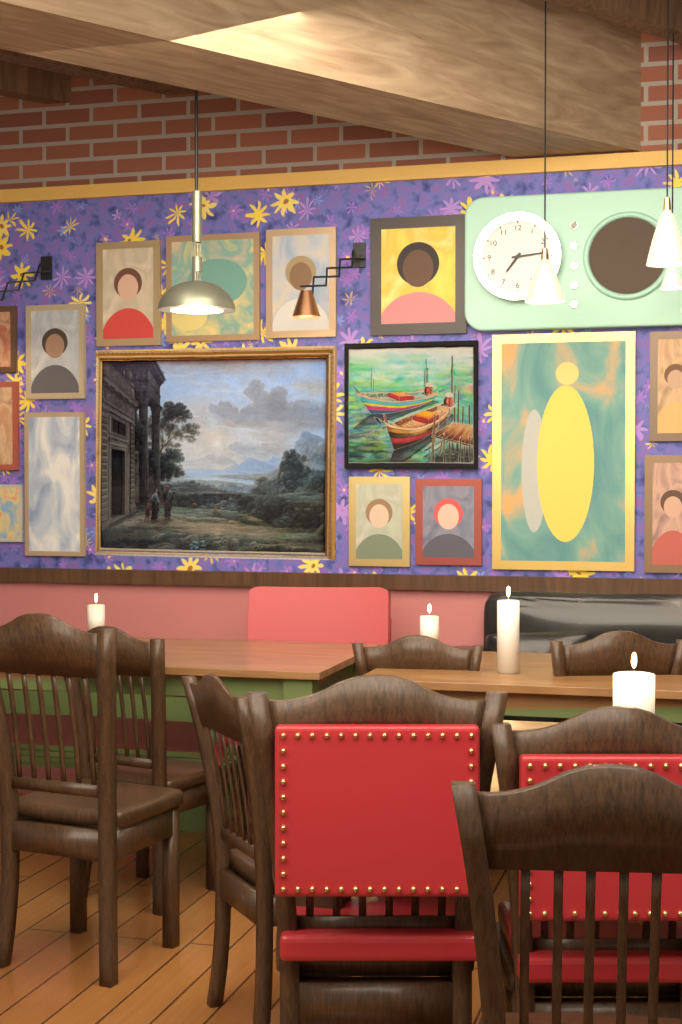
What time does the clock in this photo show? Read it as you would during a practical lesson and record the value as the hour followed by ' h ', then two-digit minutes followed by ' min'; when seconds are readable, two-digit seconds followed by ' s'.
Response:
7 h 14 min
